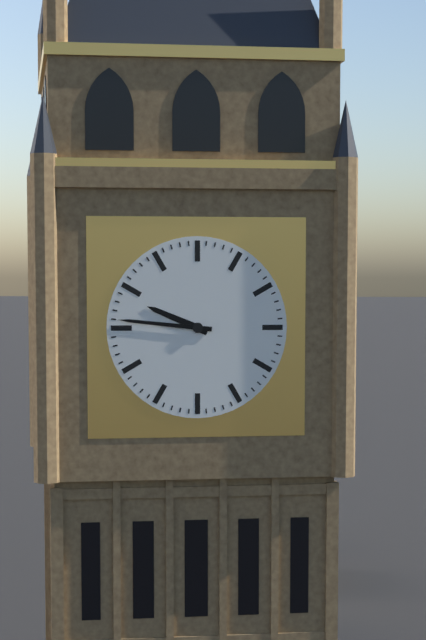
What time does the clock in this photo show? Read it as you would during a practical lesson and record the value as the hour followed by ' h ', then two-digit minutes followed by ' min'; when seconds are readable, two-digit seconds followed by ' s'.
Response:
9 h 46 min
